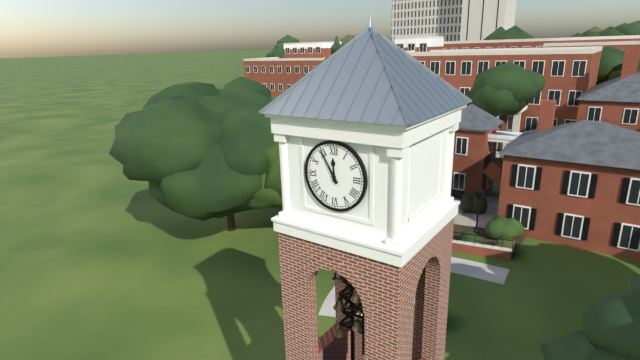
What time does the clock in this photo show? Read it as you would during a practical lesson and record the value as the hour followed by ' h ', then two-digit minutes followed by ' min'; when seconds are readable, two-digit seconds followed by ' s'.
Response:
11 h 55 min
